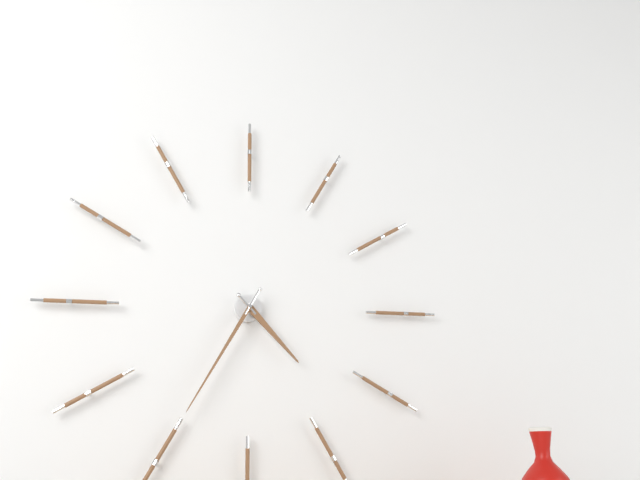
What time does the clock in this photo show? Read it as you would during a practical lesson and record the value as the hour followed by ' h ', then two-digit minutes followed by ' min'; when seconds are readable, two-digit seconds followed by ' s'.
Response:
4 h 35 min
